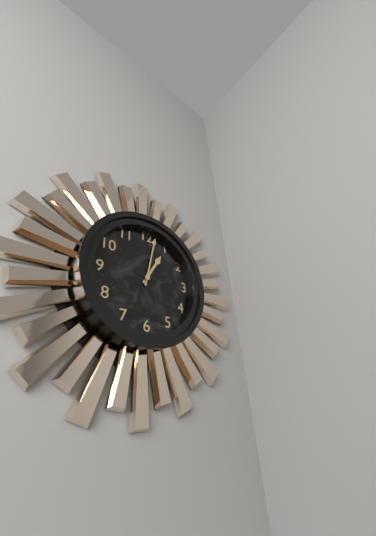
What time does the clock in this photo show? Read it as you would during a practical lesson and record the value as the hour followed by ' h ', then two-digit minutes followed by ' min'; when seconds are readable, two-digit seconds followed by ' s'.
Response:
1 h 02 min
